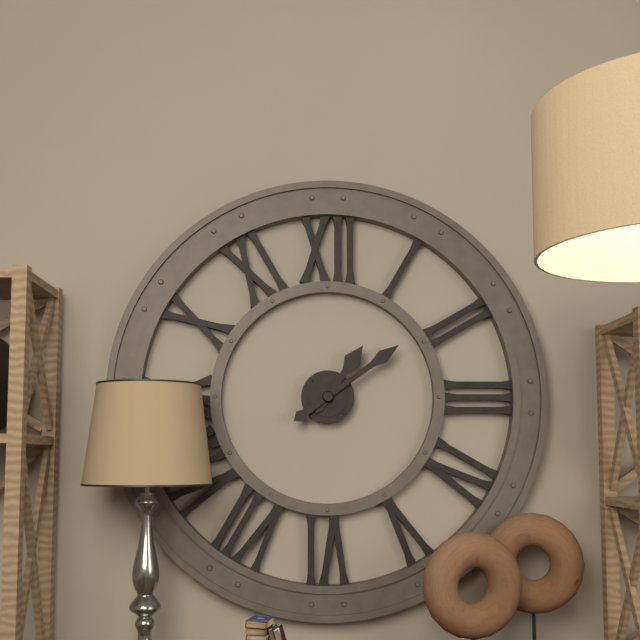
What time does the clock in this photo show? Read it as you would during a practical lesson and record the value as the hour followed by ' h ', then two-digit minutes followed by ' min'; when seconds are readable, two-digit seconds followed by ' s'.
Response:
1 h 09 min
